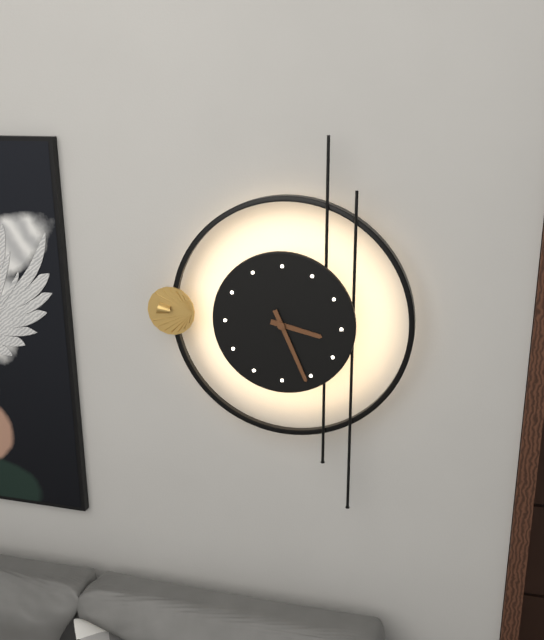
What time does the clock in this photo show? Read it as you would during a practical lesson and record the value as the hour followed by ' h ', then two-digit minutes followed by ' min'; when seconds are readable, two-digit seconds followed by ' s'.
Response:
3 h 26 min
